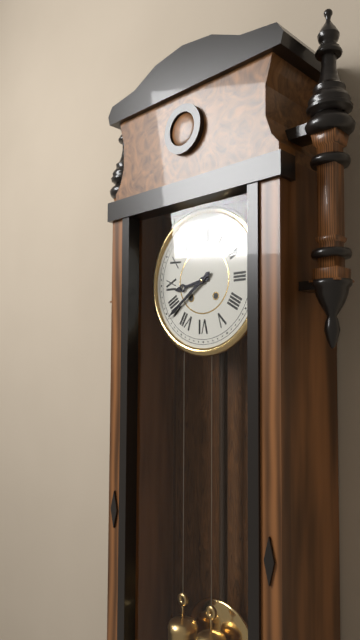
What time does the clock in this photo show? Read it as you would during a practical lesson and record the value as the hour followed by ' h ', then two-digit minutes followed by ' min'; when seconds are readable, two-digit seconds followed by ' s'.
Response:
8 h 39 min
